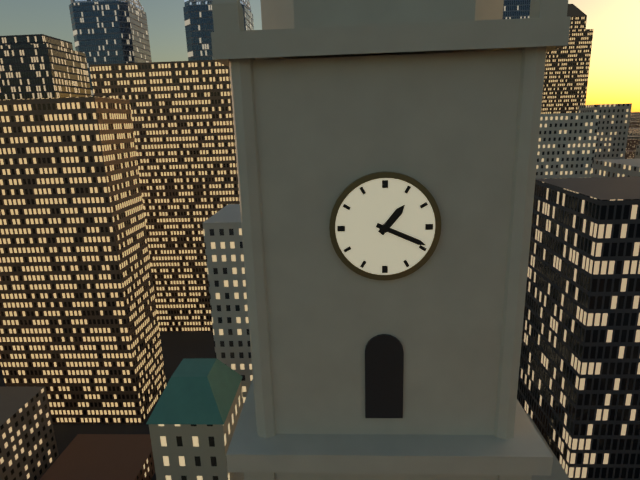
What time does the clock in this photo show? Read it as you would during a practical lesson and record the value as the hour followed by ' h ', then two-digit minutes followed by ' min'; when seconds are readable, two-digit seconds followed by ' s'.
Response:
1 h 19 min
